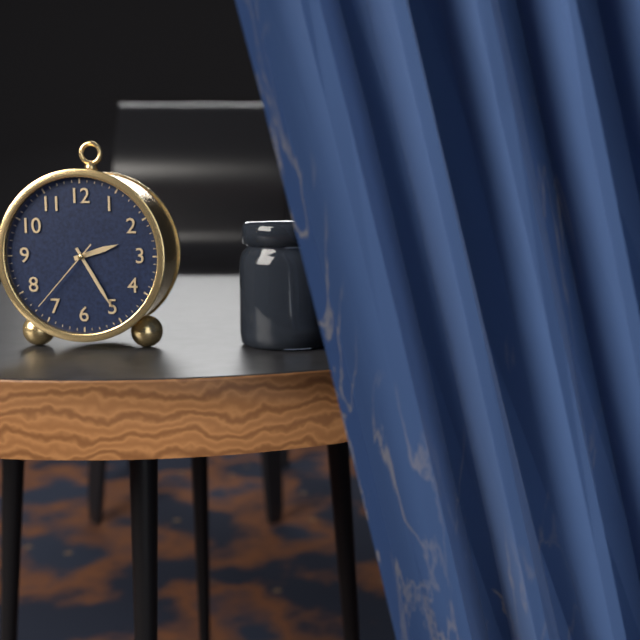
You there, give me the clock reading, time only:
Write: 2:25:37
